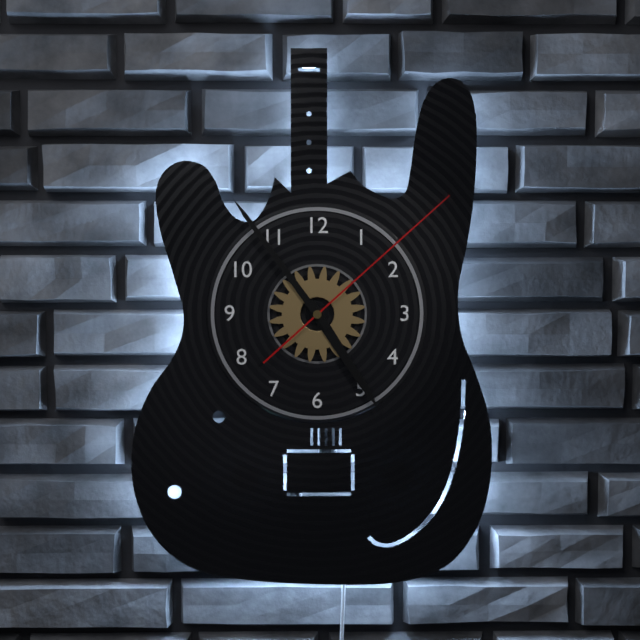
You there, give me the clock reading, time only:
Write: 4:54:08
